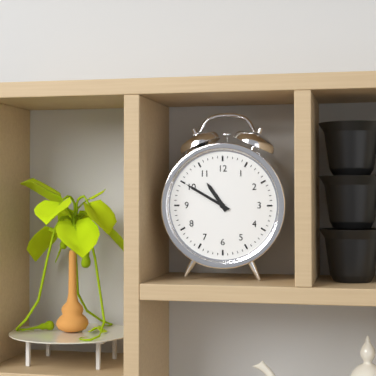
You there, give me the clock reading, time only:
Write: 10:50
